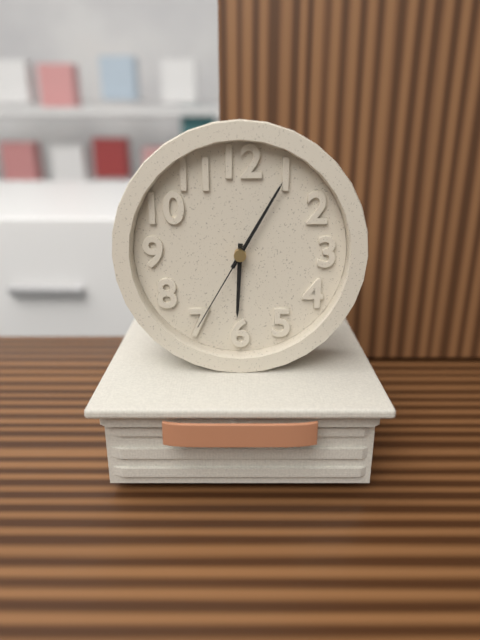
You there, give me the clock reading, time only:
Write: 6:05:35
